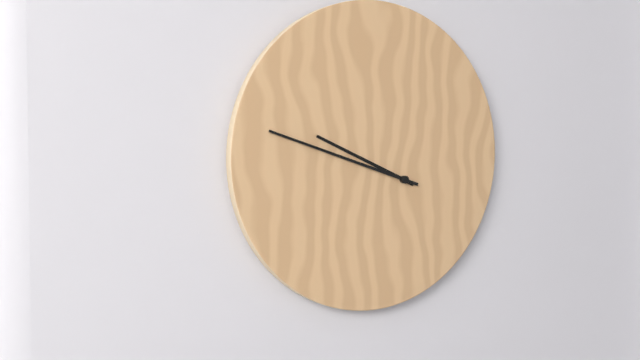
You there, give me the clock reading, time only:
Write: 9:48
